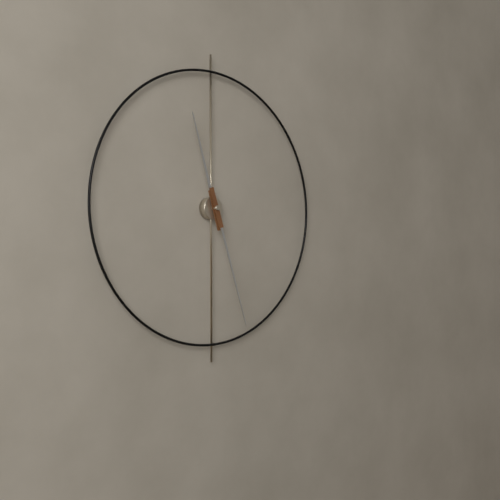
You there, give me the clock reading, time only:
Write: 11:27
